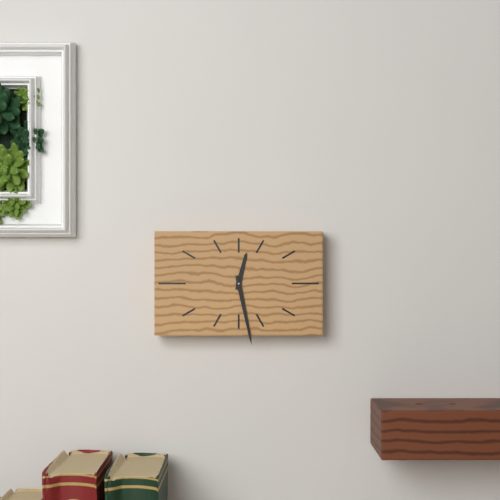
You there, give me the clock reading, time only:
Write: 12:28
